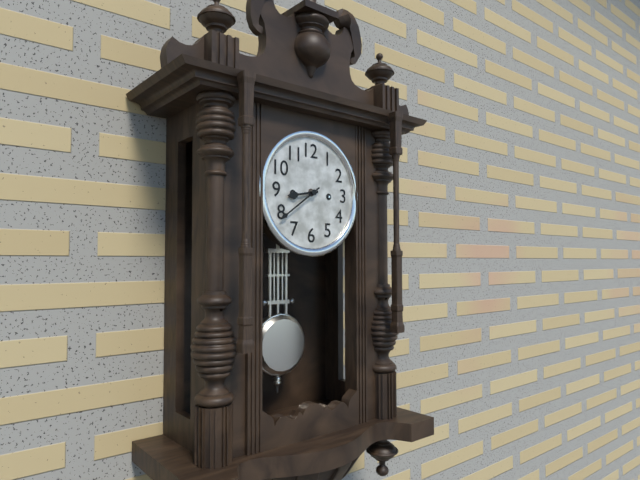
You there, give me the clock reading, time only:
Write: 8:39
